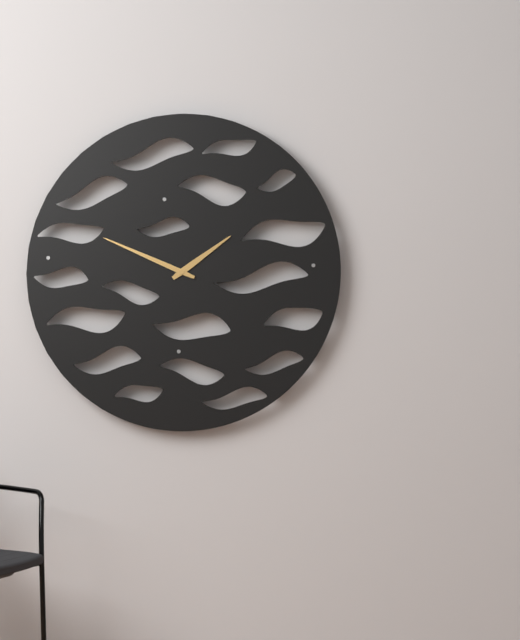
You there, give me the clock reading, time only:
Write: 1:49
